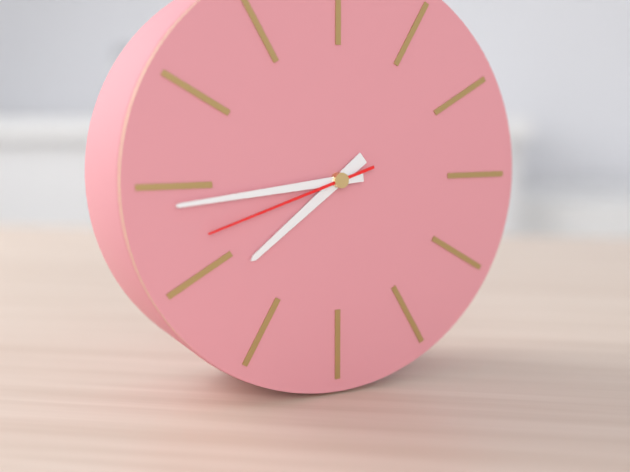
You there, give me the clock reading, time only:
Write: 7:44:42
